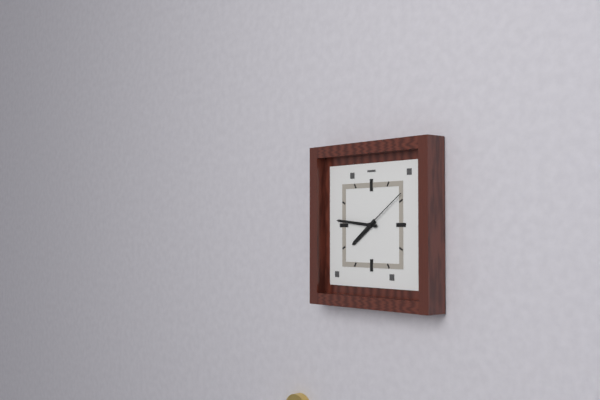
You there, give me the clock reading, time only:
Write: 7:46:09
